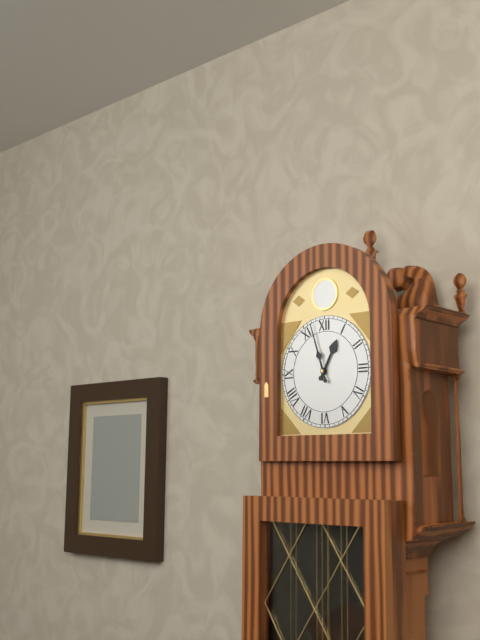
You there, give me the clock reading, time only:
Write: 12:57
